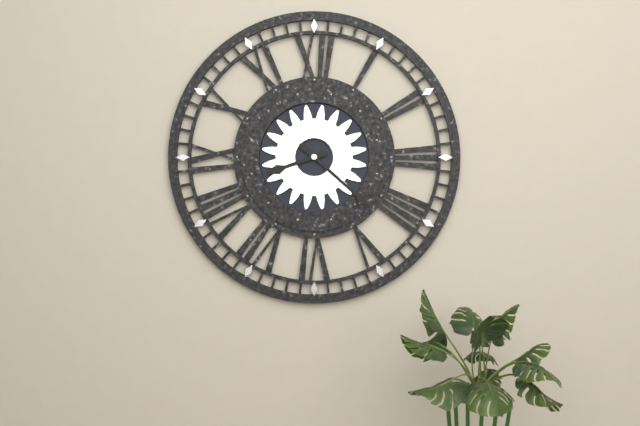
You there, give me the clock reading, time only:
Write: 8:22
